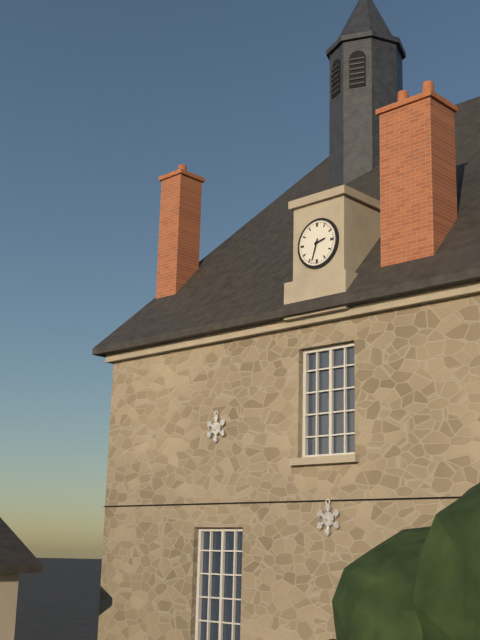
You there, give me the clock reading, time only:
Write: 2:33
